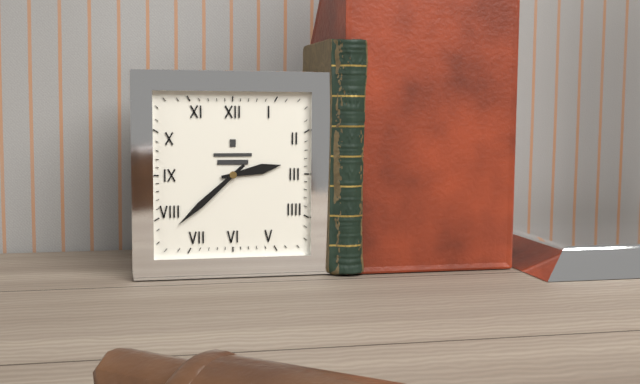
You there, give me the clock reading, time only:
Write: 2:38
